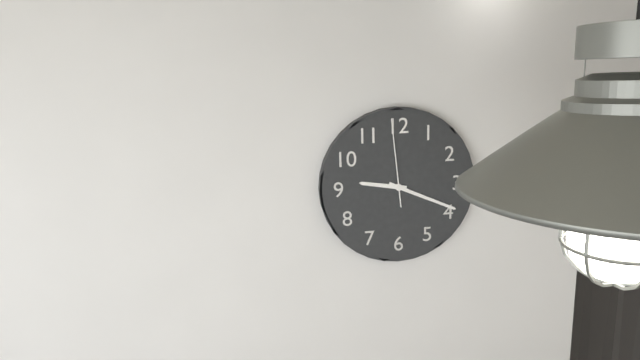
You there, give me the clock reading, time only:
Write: 9:19:59
